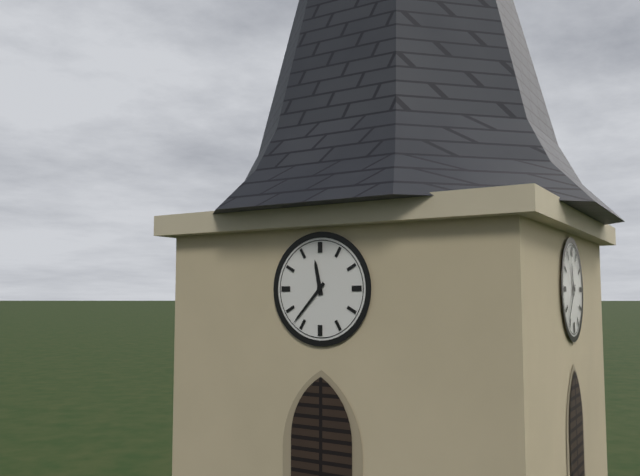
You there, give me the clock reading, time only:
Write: 11:37
